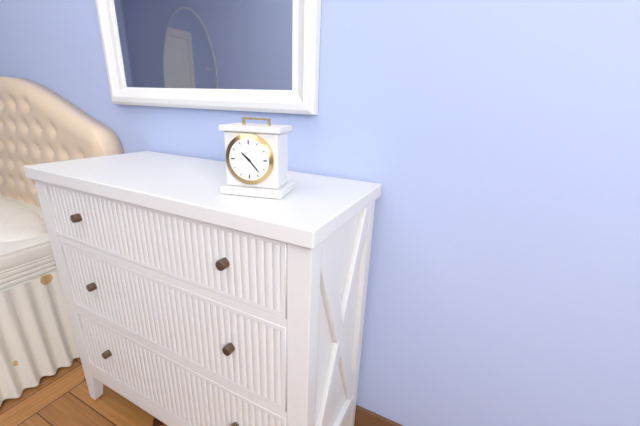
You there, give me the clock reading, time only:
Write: 10:23
